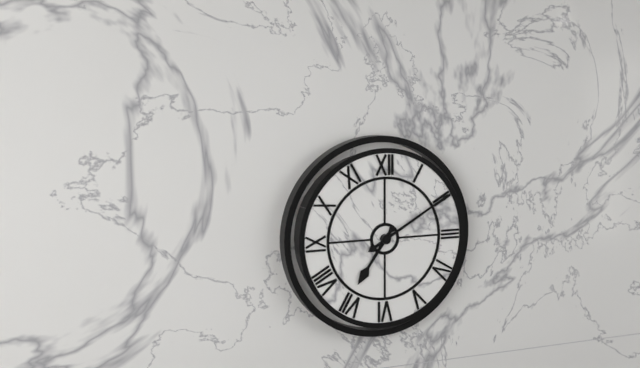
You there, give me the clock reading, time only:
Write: 7:10
